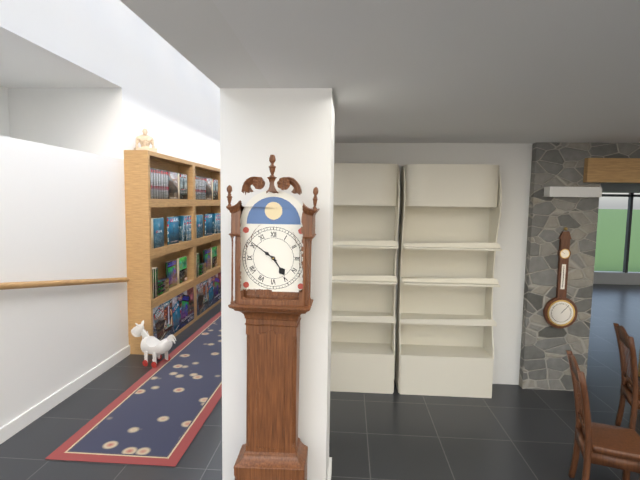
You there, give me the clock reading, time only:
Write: 4:51
